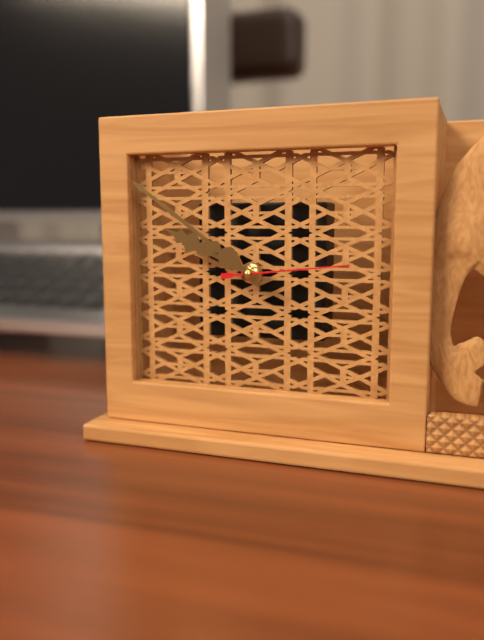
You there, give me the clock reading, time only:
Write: 9:51:14
